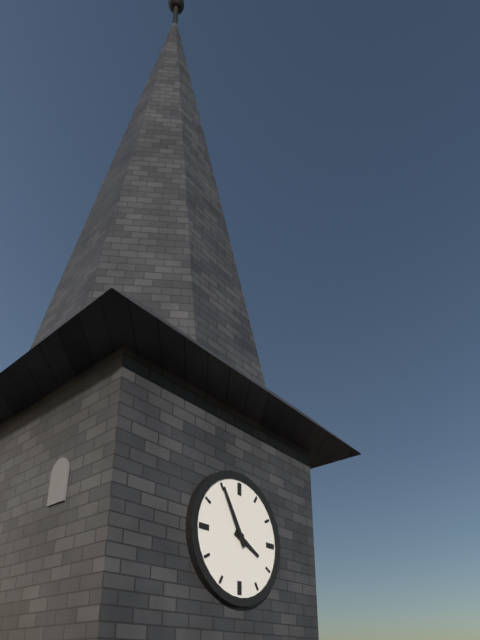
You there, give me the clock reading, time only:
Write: 3:55
